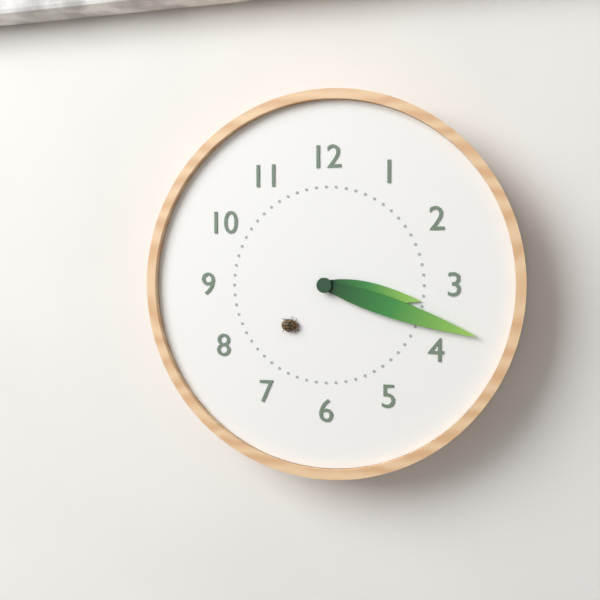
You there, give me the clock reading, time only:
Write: 3:18
